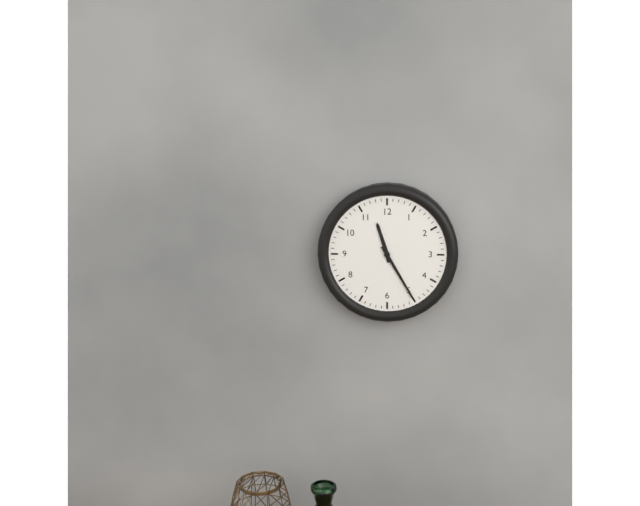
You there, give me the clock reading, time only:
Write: 11:25
